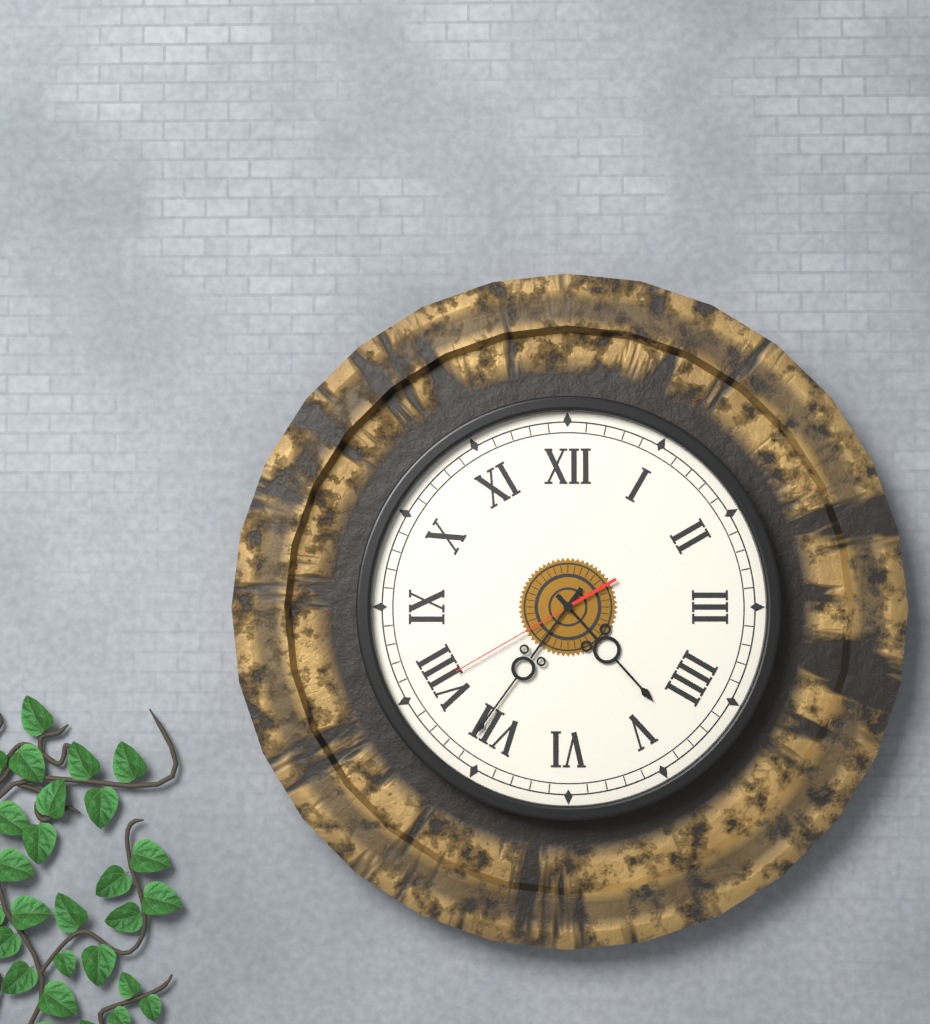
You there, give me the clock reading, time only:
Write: 4:36:40
